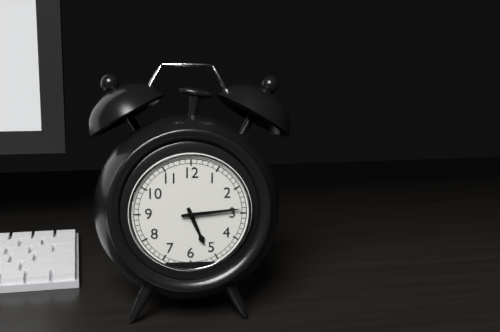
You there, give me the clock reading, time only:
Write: 5:14
